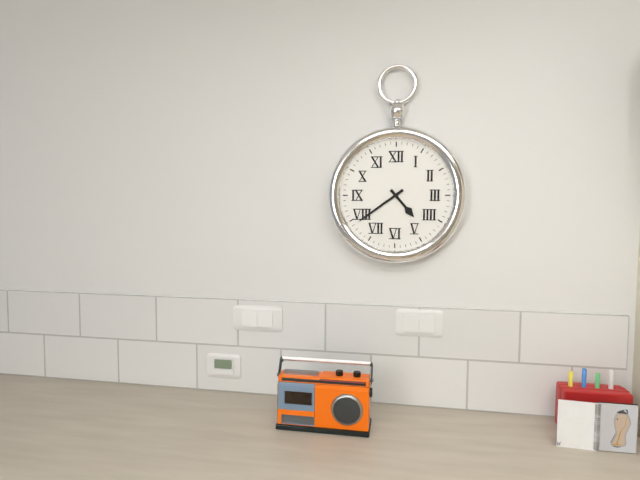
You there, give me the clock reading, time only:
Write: 4:39
